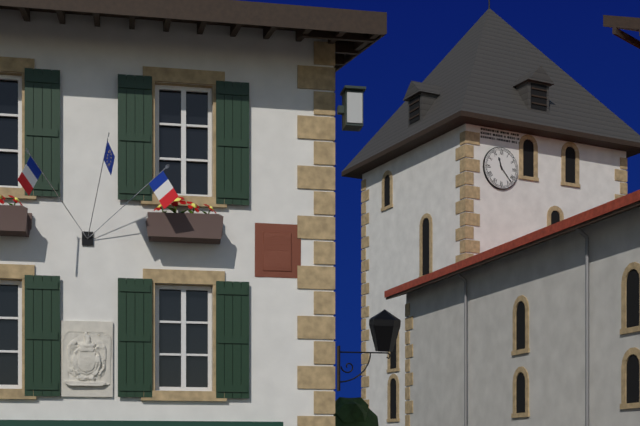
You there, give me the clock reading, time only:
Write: 11:23
